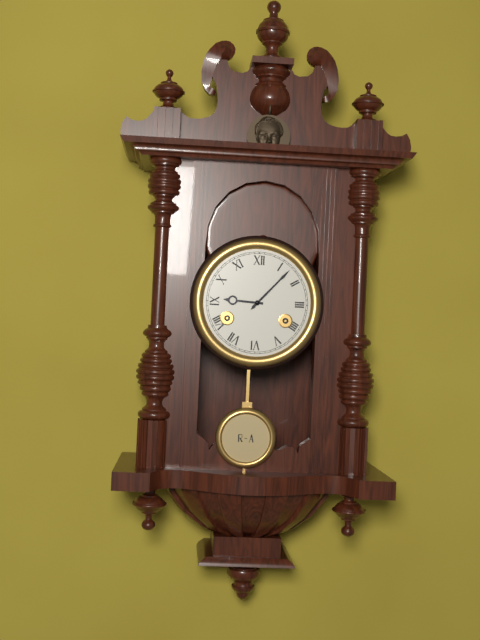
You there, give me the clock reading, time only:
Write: 9:07
